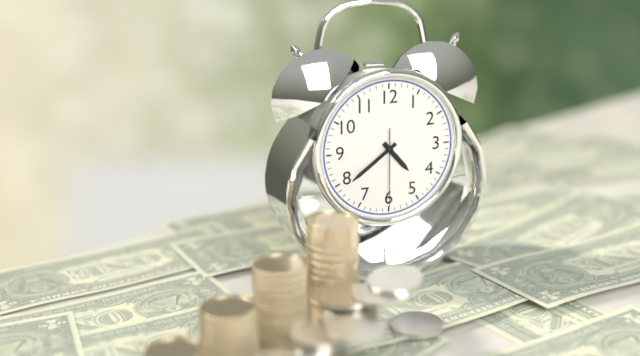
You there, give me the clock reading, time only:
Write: 4:39:30
